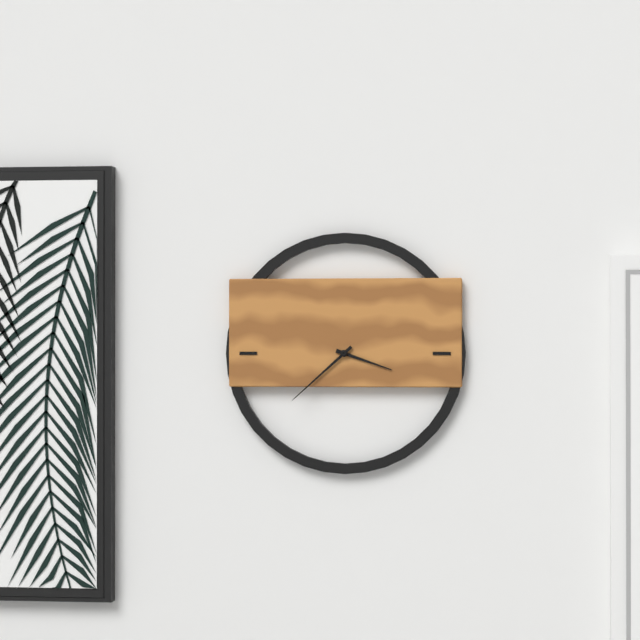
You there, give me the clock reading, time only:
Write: 3:38
